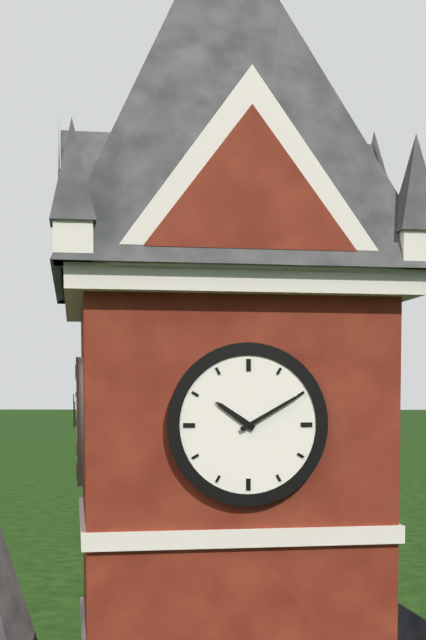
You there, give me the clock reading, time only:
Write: 10:10
